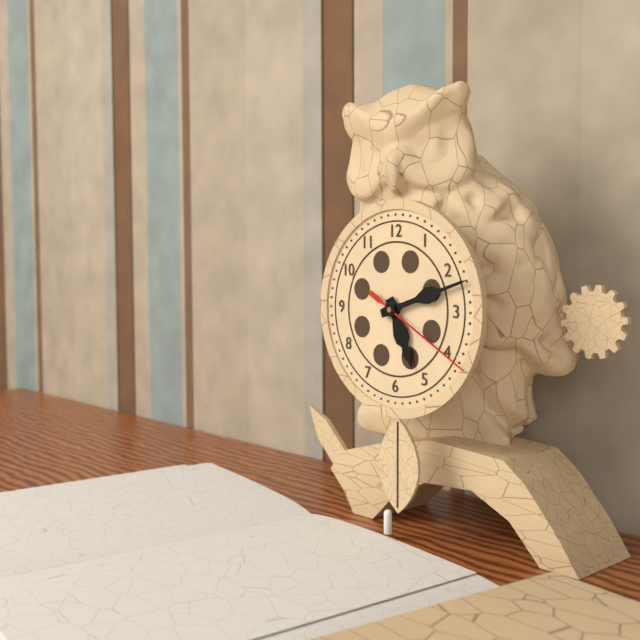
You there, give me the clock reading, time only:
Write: 5:12:20
